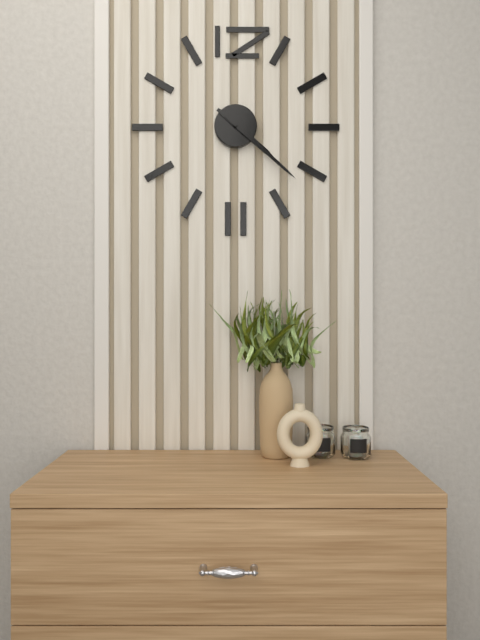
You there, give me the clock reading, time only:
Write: 4:22
